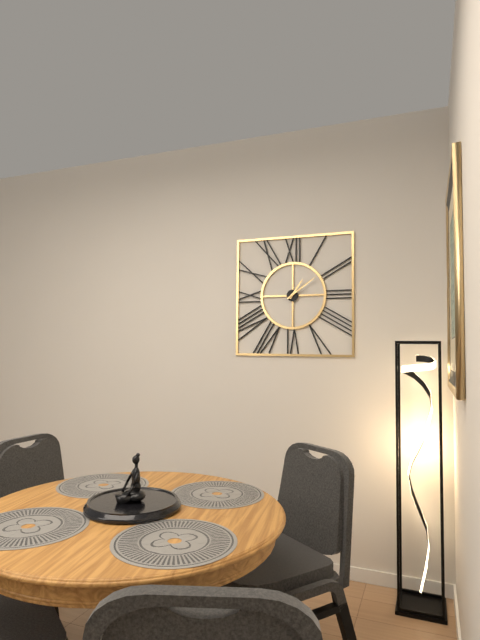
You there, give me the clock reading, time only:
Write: 1:09
